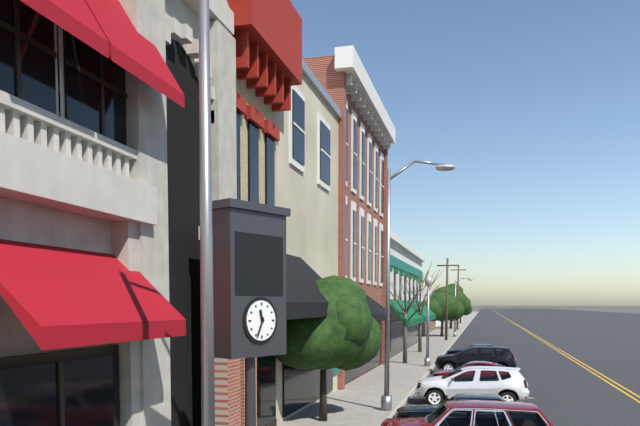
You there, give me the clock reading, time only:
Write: 11:34
